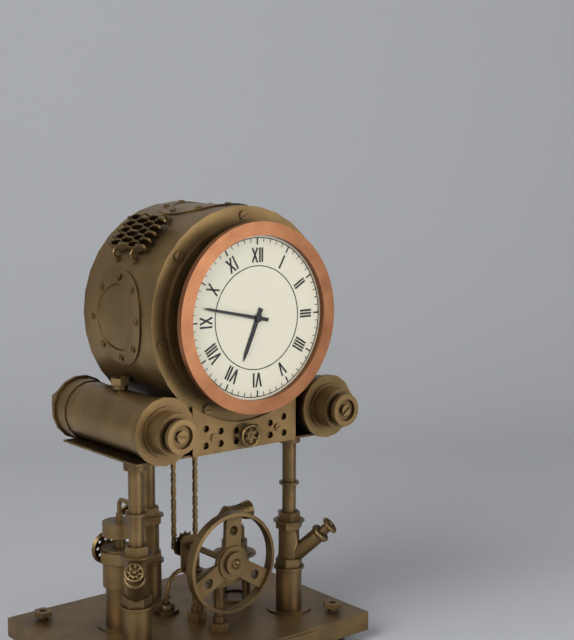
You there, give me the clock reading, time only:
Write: 6:47
